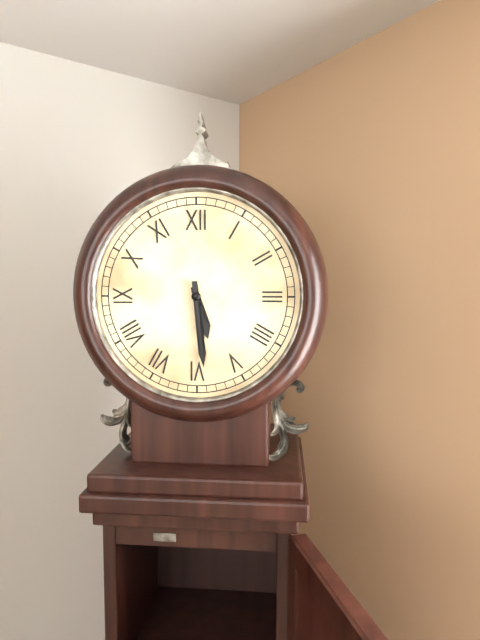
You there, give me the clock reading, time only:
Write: 5:29
